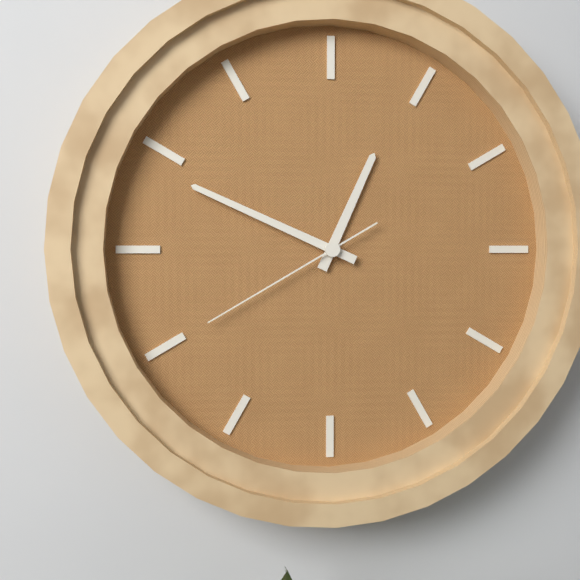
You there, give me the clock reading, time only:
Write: 12:49:40
